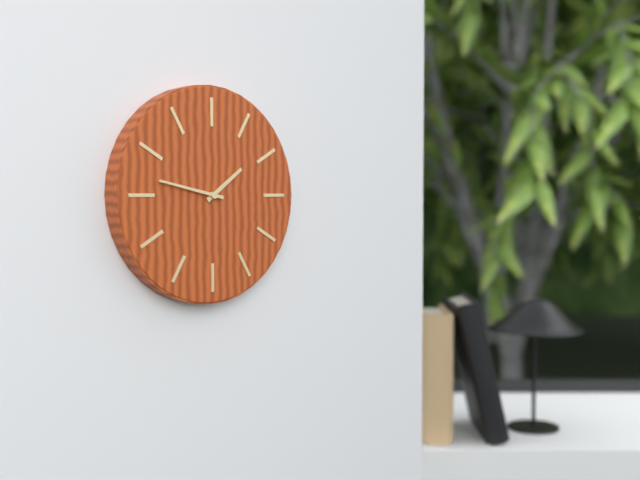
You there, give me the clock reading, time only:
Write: 1:47
